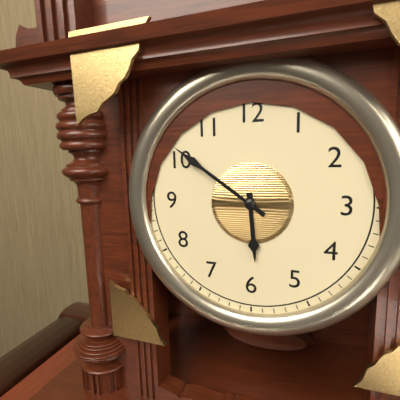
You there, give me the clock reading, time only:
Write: 5:51
